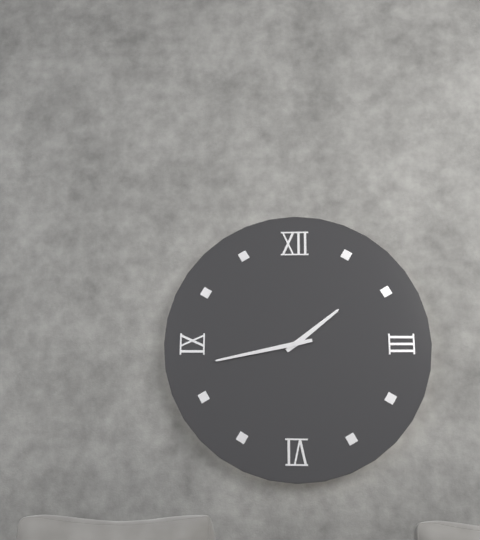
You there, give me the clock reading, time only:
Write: 1:43
